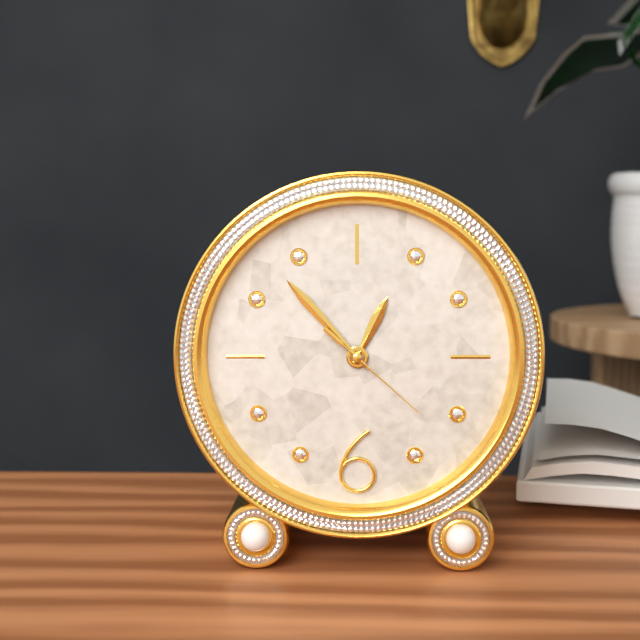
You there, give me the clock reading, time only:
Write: 12:53:22
